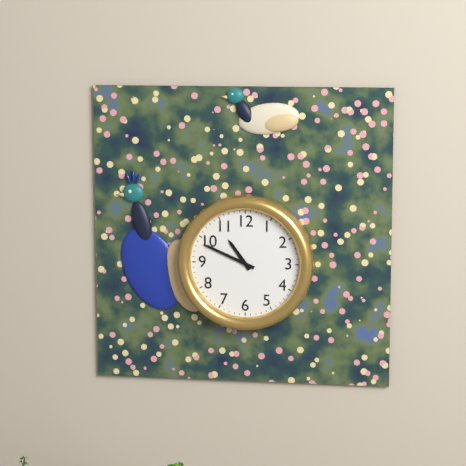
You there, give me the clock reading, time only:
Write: 10:49
